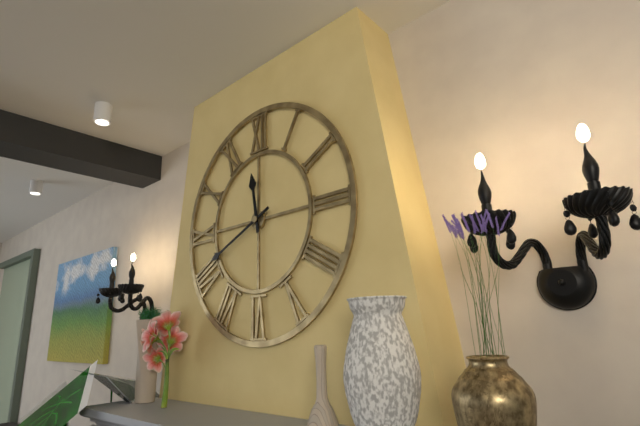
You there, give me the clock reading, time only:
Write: 11:41
